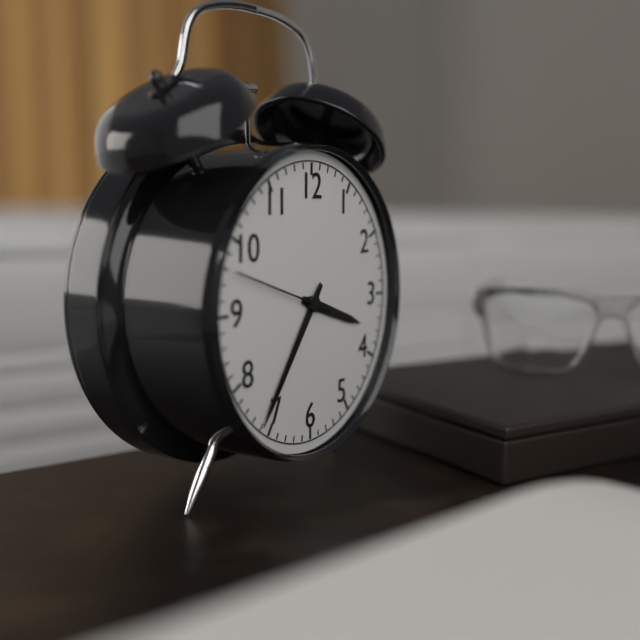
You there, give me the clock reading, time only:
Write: 3:36:48
